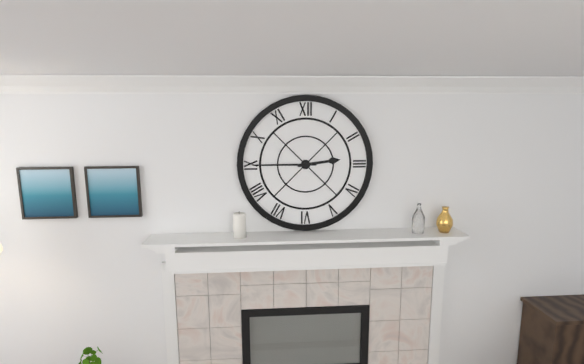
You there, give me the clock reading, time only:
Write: 2:45
